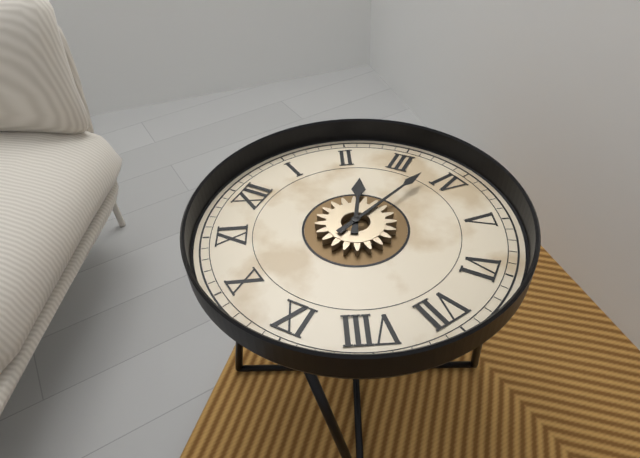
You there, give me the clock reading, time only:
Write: 2:18
